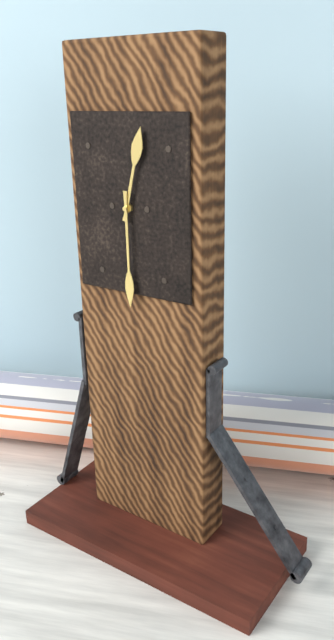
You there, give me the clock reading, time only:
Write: 12:30
